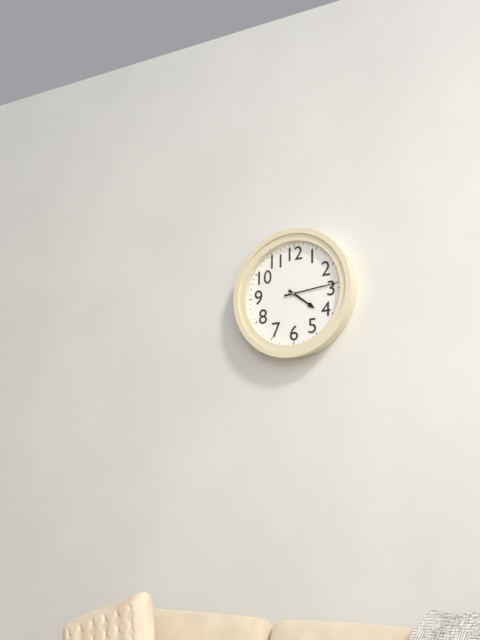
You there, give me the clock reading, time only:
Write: 4:14
